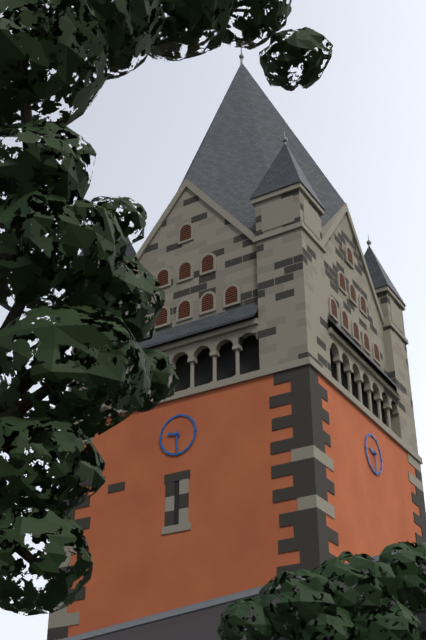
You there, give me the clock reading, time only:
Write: 9:30
